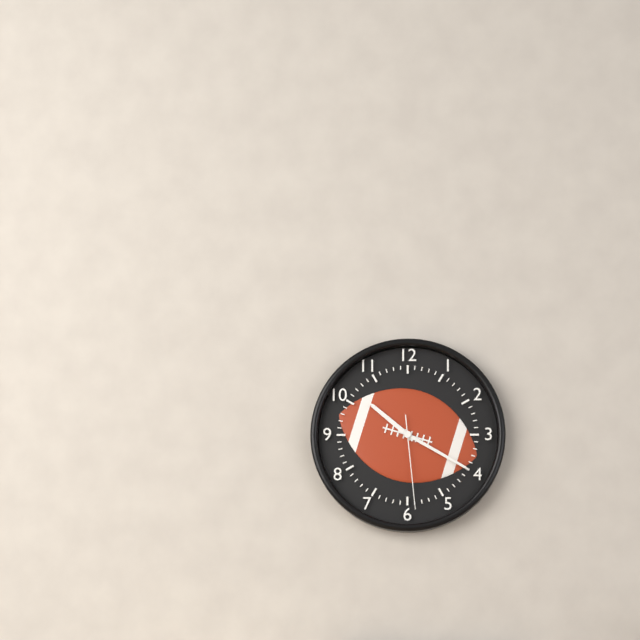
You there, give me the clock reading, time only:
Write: 10:20:29
